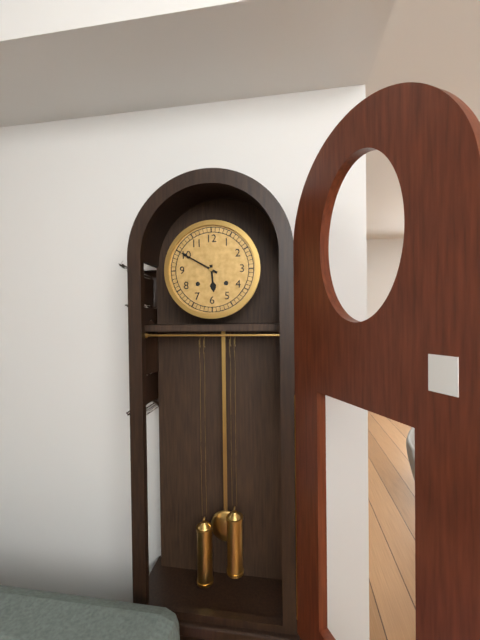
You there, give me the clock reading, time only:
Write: 5:50
